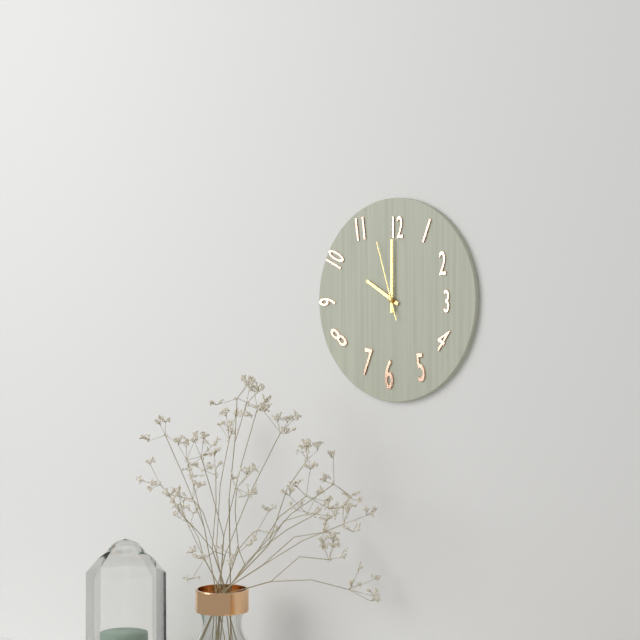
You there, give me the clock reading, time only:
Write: 10:00:57
